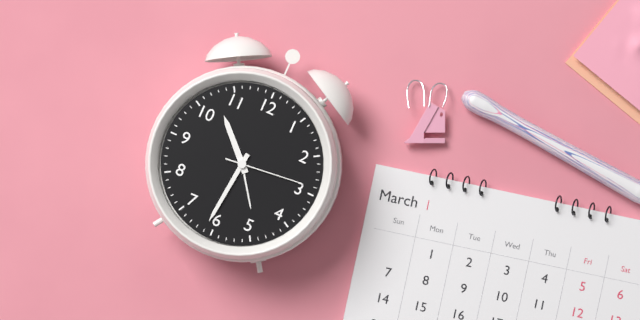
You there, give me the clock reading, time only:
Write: 10:31:14
